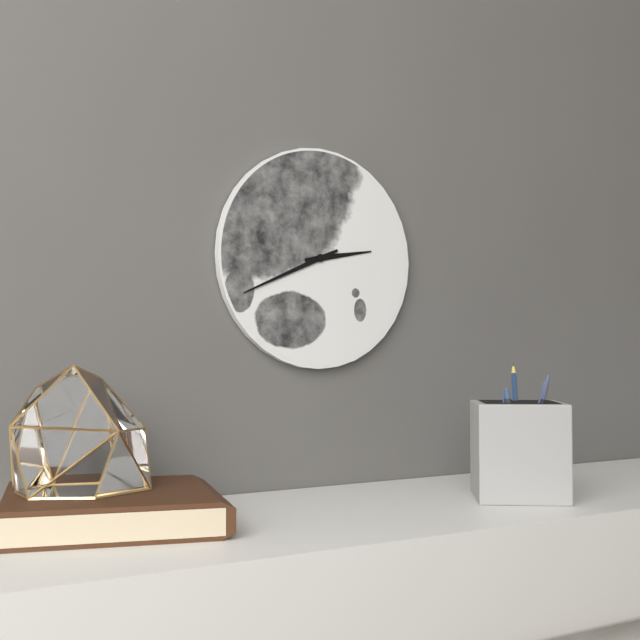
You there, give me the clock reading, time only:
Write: 2:41
